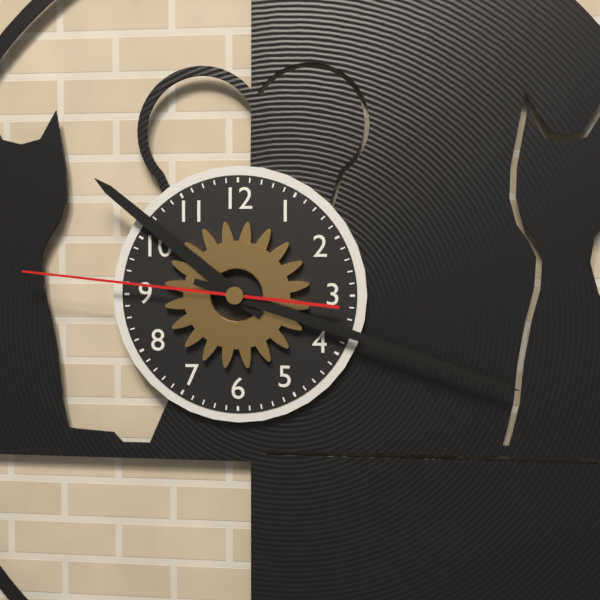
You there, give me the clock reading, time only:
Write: 10:18:46
